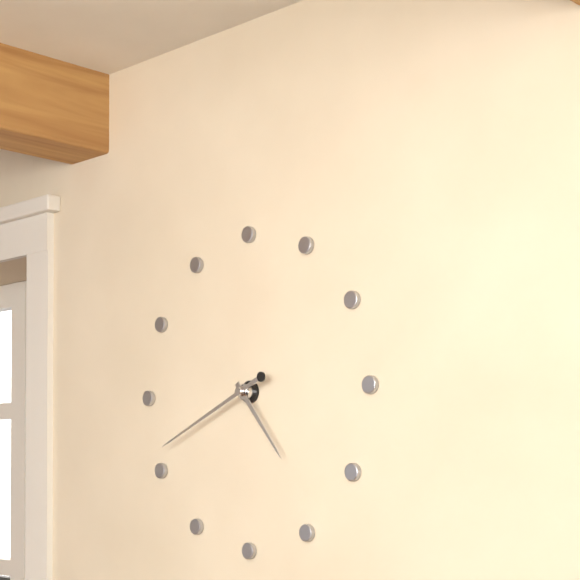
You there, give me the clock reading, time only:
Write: 4:41
